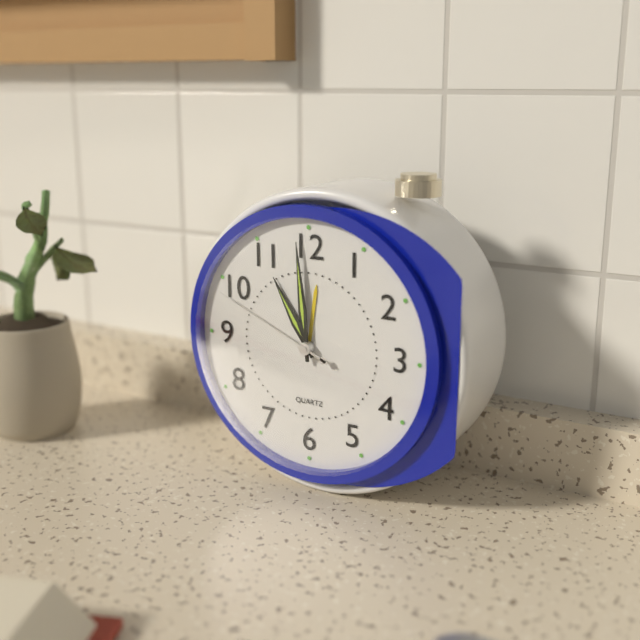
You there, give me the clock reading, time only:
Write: 10:59:49
